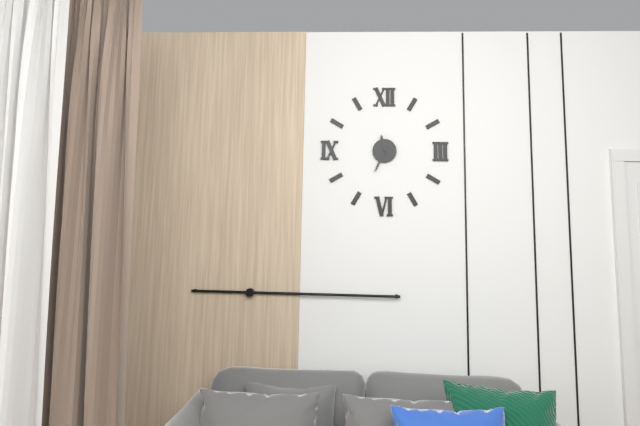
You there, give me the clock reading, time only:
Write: 11:34
